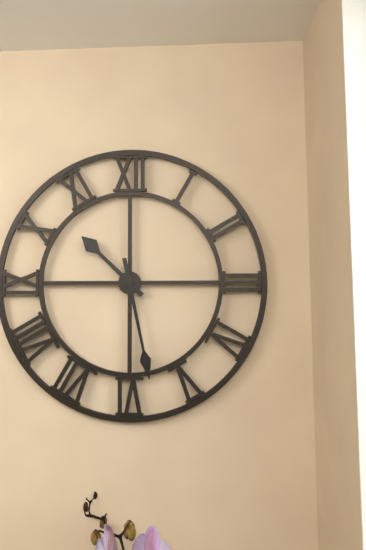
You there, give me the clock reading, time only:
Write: 10:28
